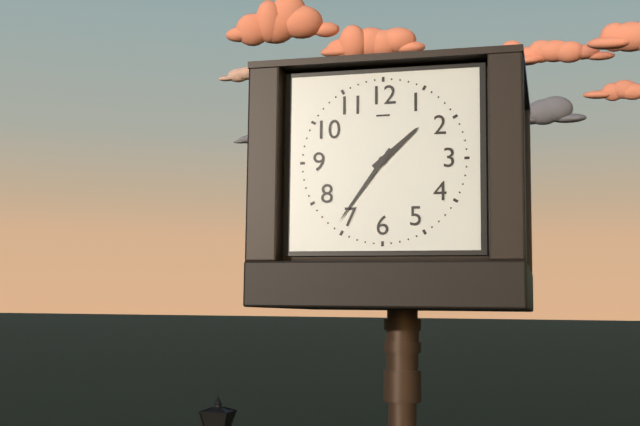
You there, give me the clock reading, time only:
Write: 1:36
